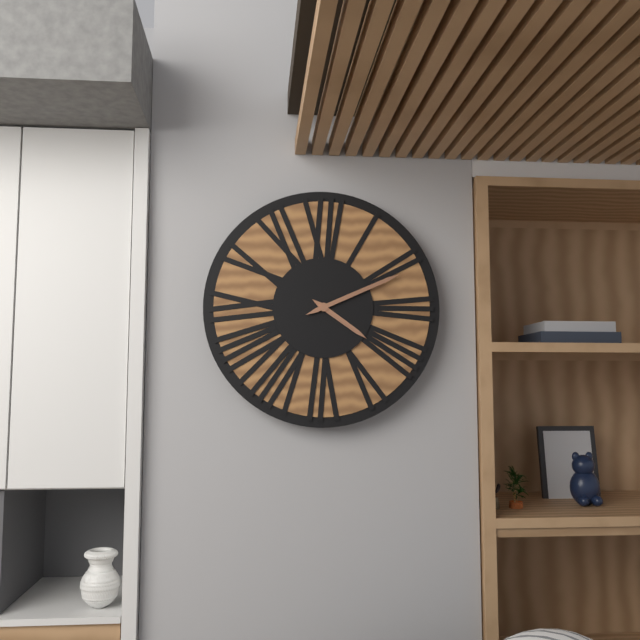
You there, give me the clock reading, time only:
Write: 4:11
